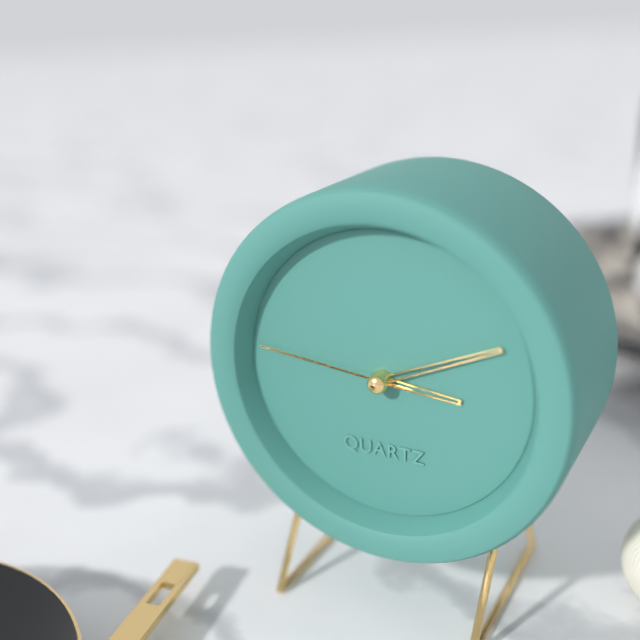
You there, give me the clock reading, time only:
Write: 3:11:46
